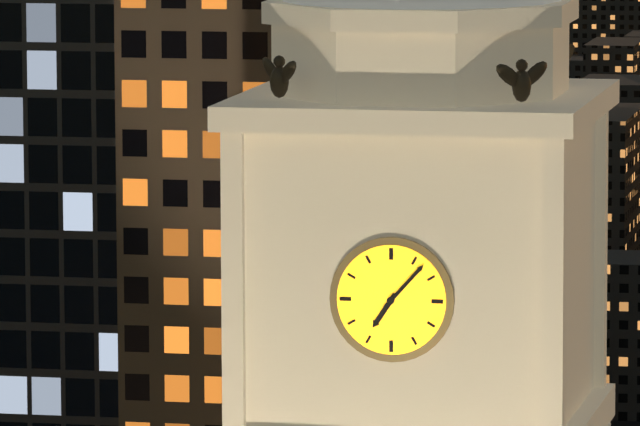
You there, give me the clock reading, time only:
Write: 7:07
